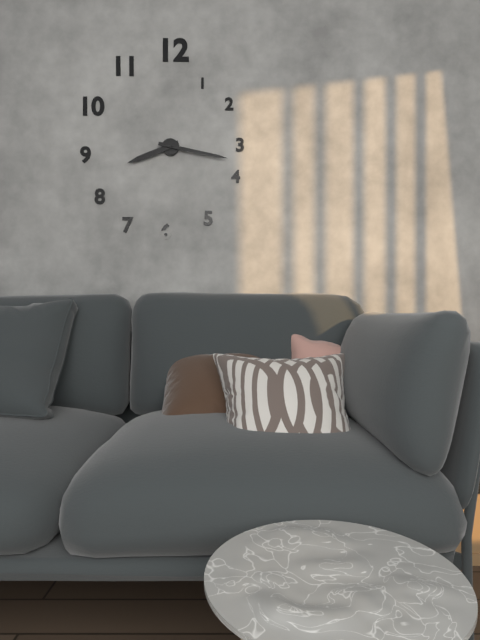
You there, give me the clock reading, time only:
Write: 8:17
